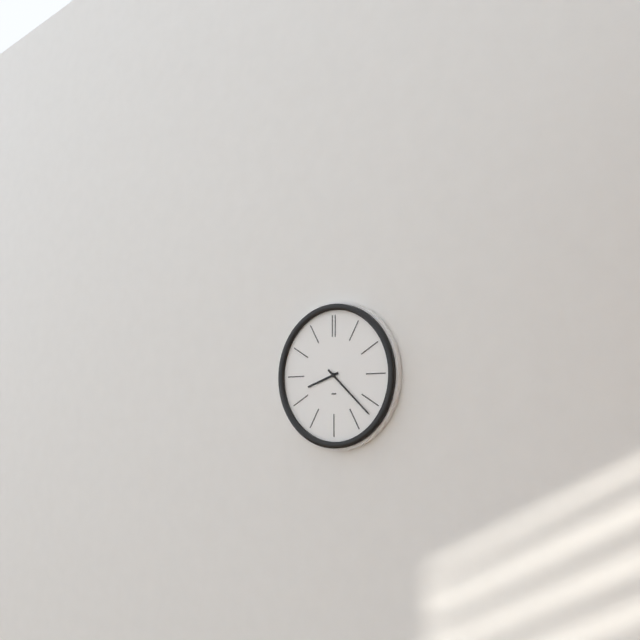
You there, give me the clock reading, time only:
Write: 8:22
